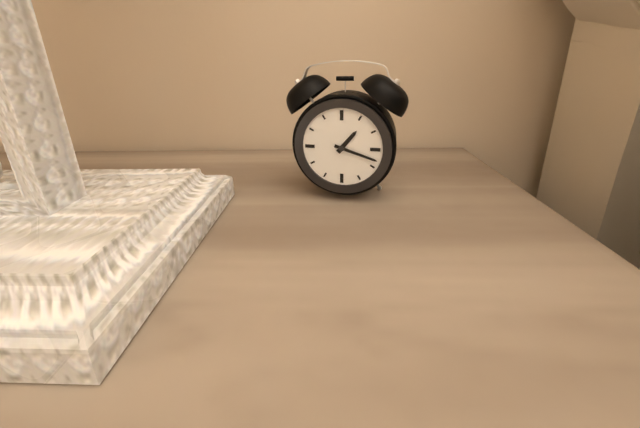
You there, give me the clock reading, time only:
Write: 1:18
